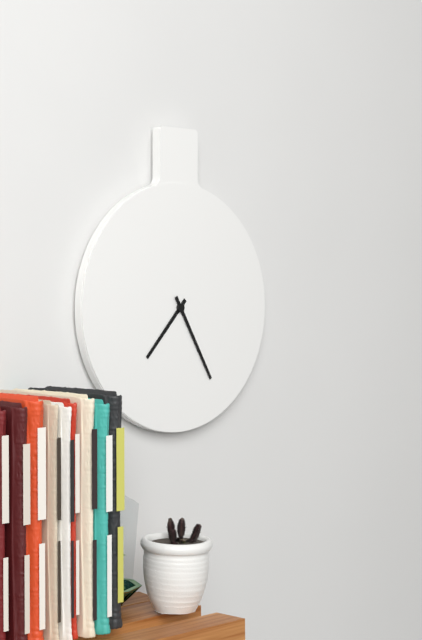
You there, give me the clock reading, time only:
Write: 7:25
